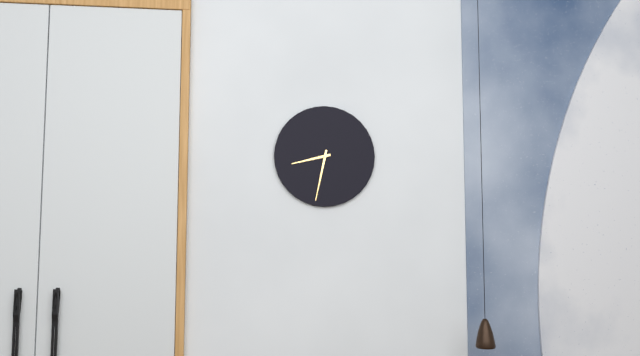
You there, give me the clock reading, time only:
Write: 8:32
